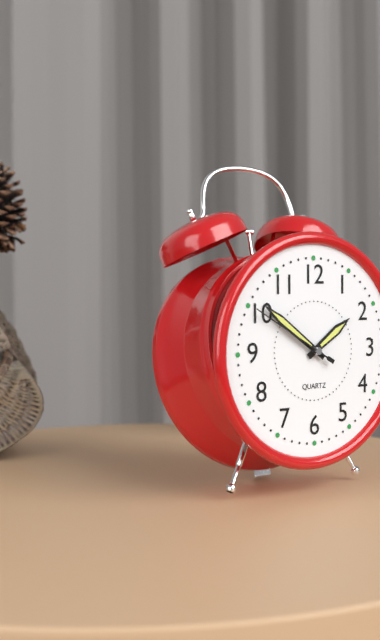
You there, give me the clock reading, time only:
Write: 1:51:50
